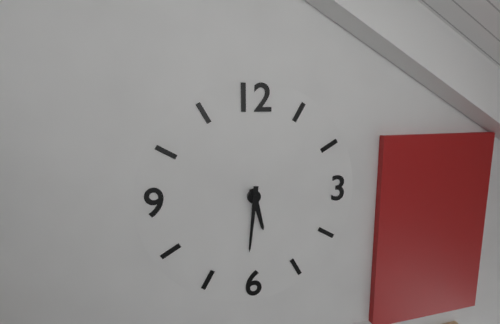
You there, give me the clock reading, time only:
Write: 5:31
